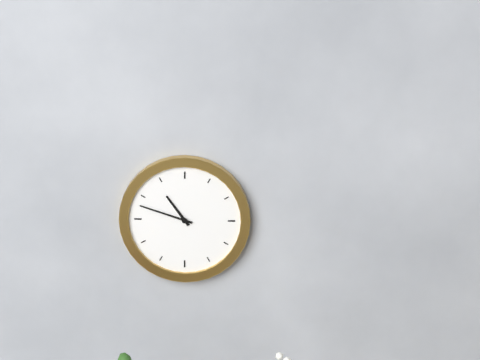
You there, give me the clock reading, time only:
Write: 10:48
